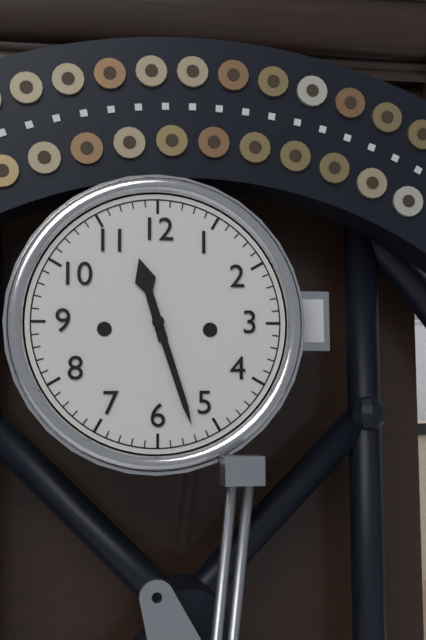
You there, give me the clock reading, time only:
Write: 11:27
